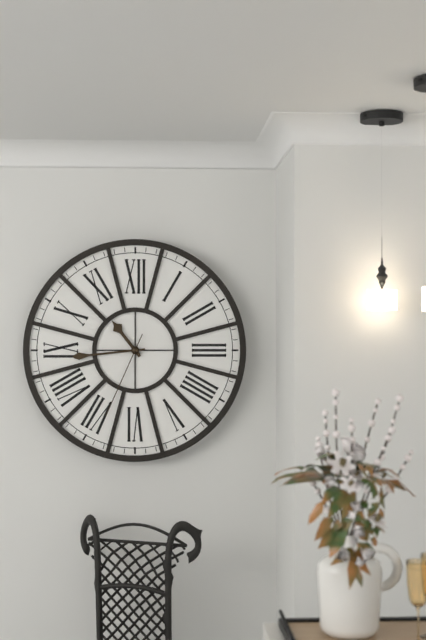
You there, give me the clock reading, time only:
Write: 10:44:34
